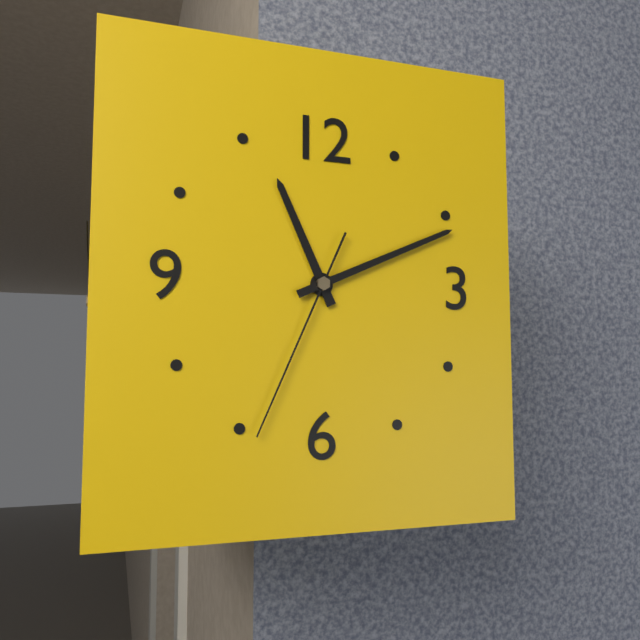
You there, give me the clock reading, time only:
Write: 11:11:34
